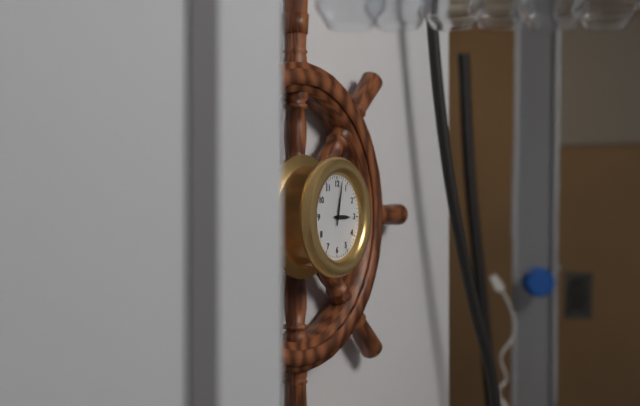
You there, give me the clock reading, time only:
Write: 3:02
